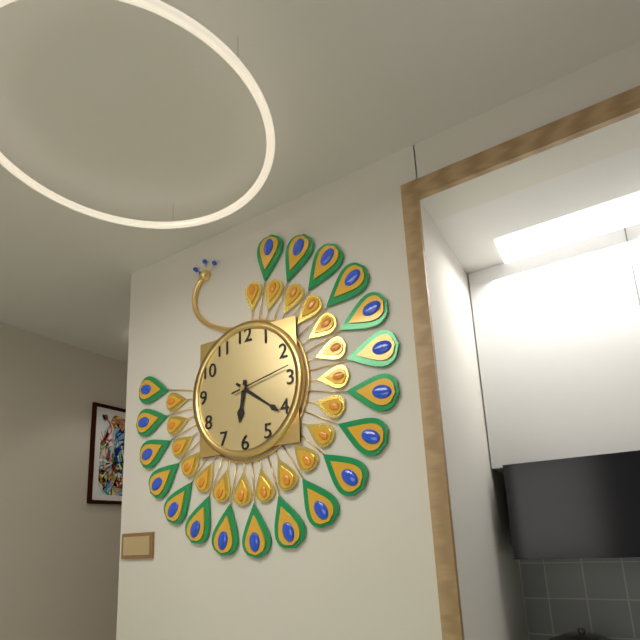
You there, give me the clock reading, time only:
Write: 6:21:13
